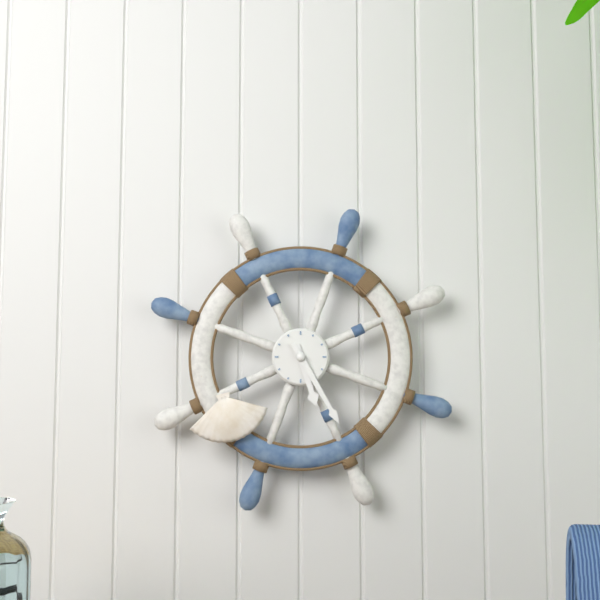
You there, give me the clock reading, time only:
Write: 5:25
